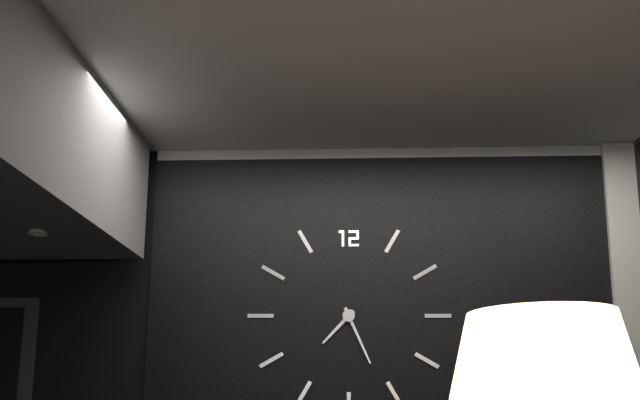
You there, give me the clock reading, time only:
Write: 7:26
